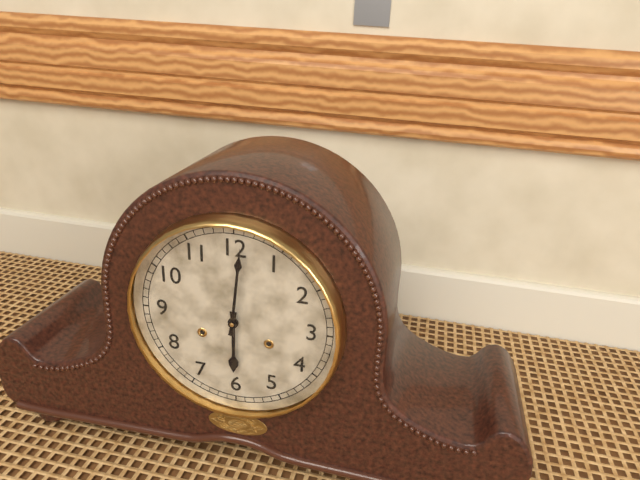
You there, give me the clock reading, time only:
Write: 6:01
